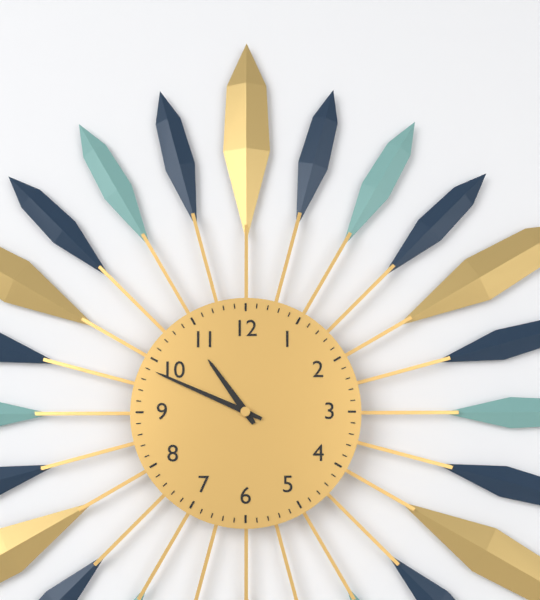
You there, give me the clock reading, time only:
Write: 10:49
